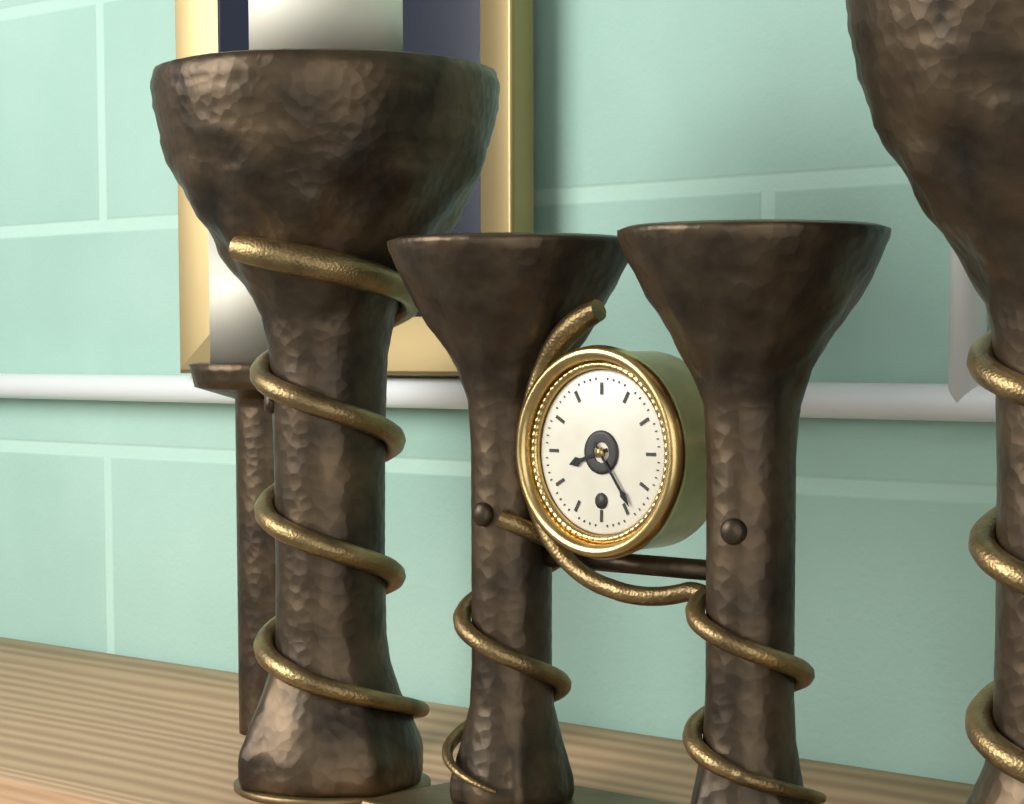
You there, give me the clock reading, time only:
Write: 8:24
